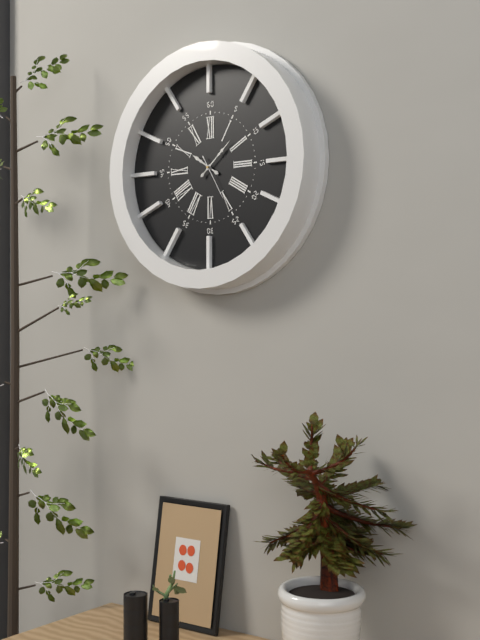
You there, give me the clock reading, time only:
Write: 10:08
